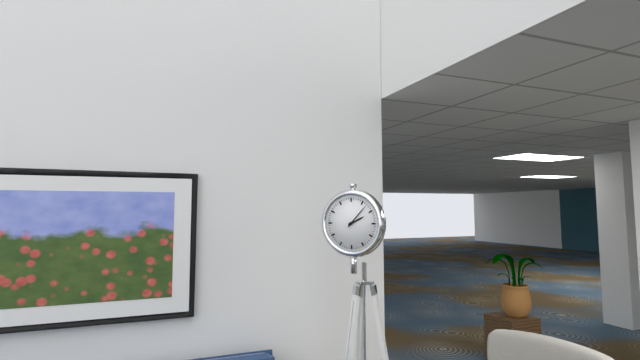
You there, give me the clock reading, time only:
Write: 2:07
